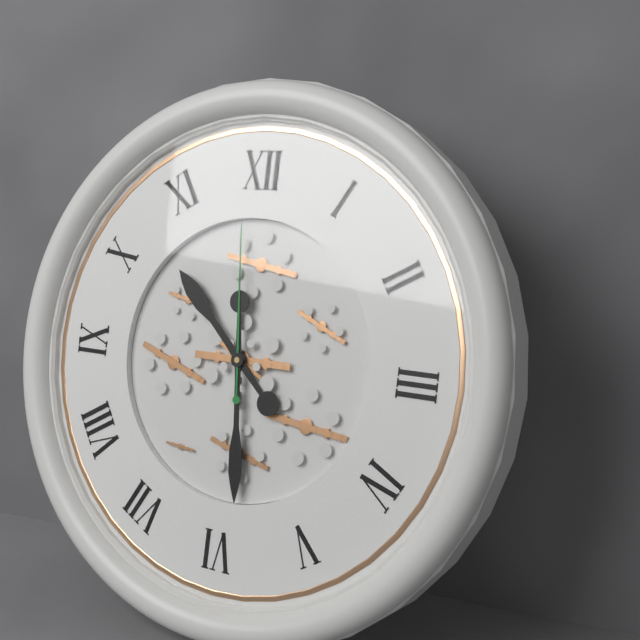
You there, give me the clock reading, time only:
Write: 10:29:59
